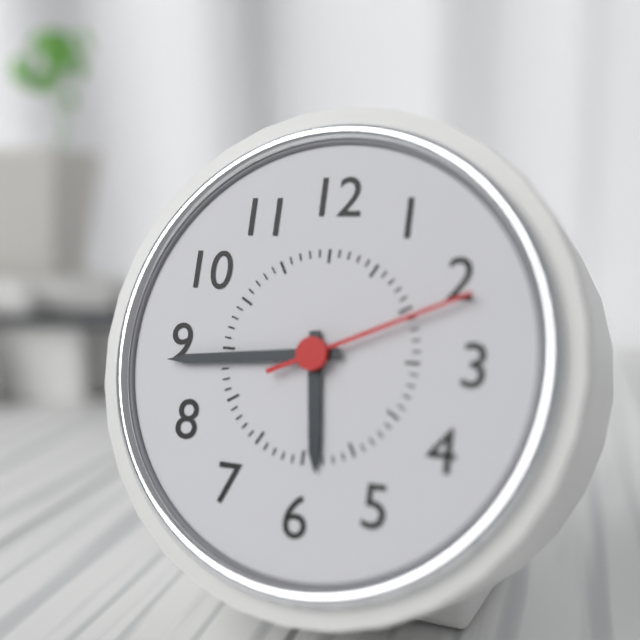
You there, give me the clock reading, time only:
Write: 5:44:11
